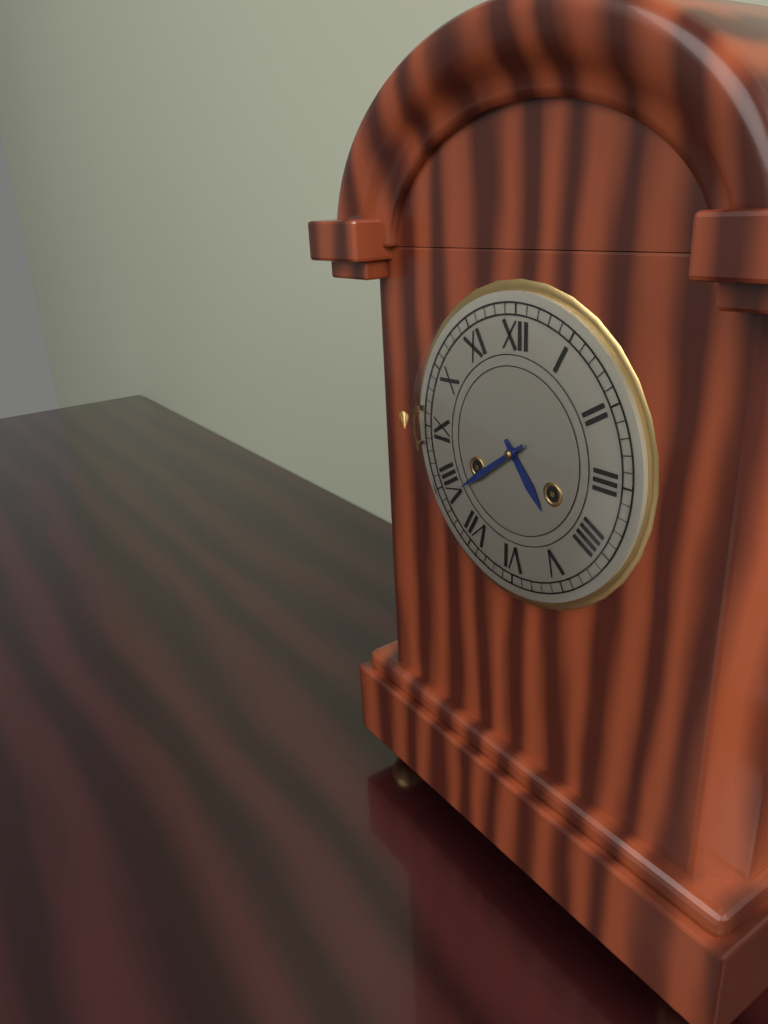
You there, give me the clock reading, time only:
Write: 4:39
